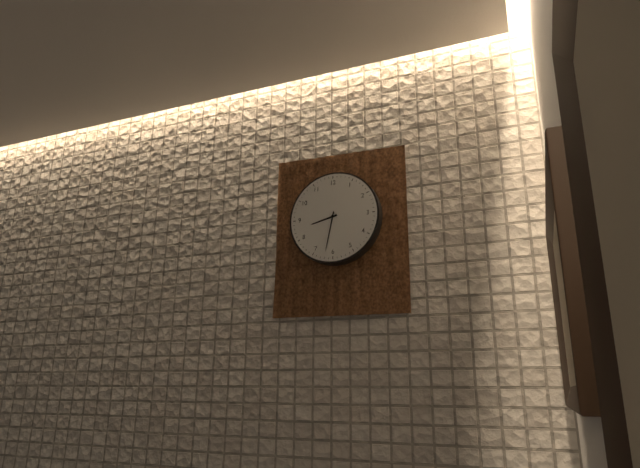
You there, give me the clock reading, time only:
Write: 8:32
